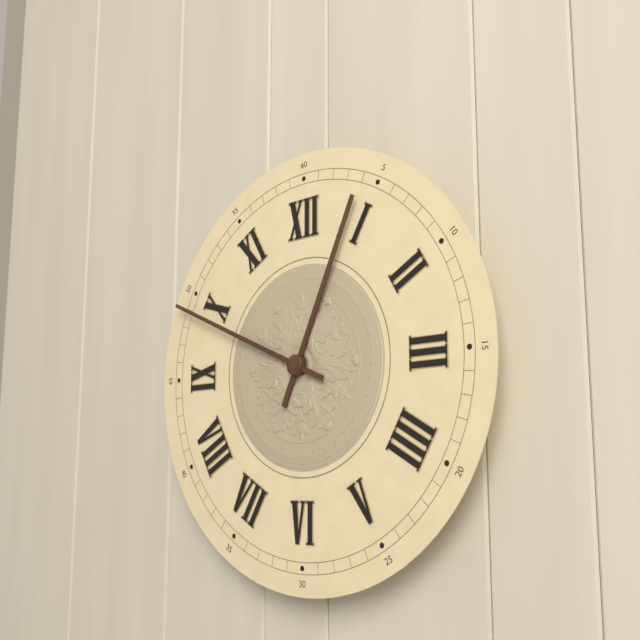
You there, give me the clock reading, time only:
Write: 12:49
